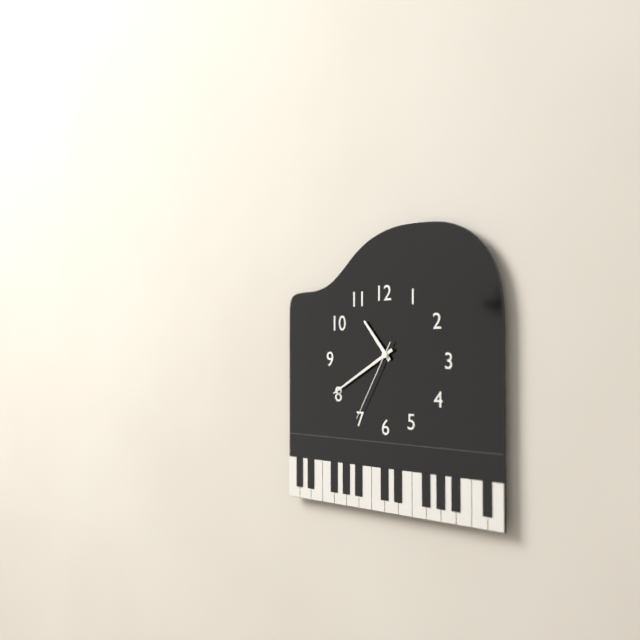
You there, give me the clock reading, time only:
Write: 10:40:35
